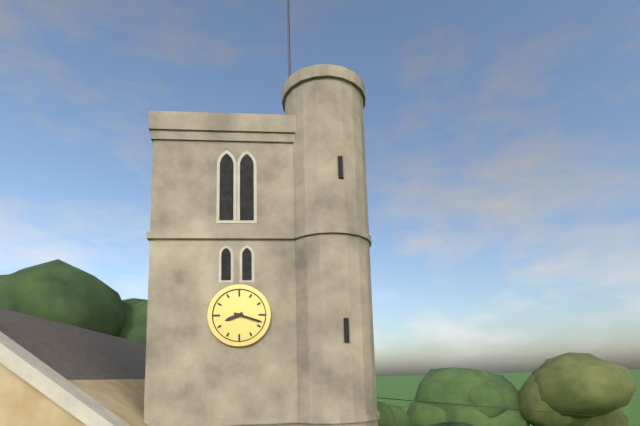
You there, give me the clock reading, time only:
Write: 8:18
